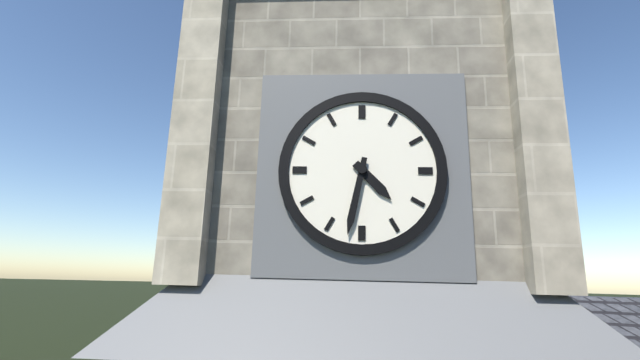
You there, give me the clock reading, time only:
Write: 4:32
